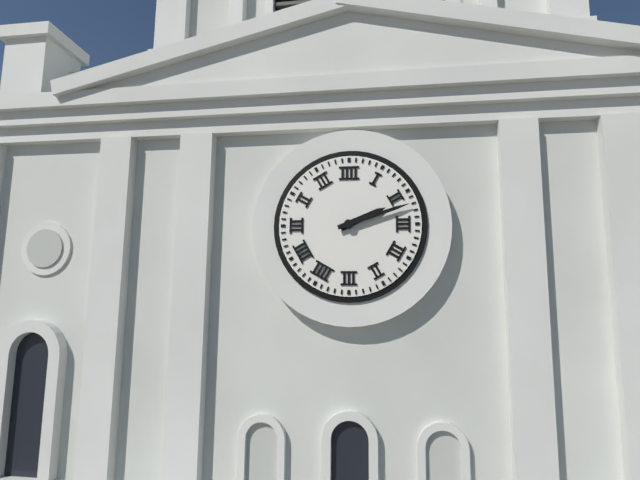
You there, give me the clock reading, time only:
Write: 2:12
